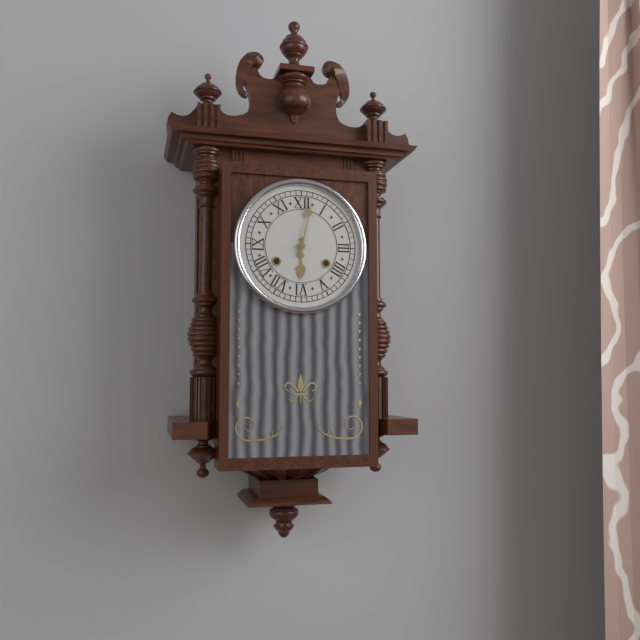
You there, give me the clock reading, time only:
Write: 6:02
